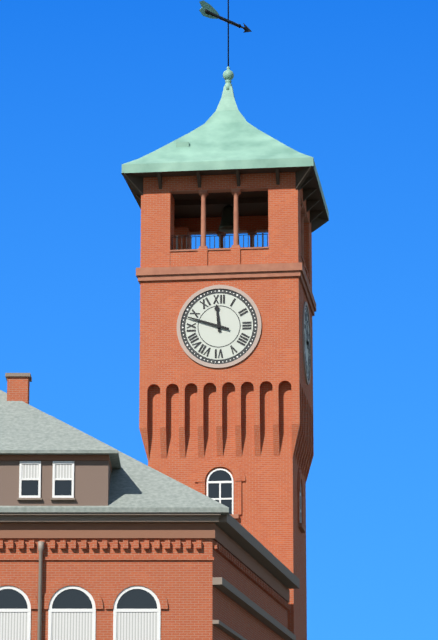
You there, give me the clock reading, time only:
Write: 11:48
